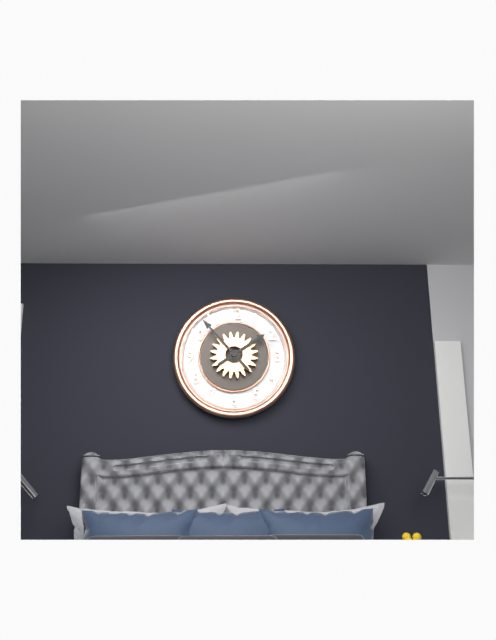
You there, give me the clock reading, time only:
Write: 1:53
